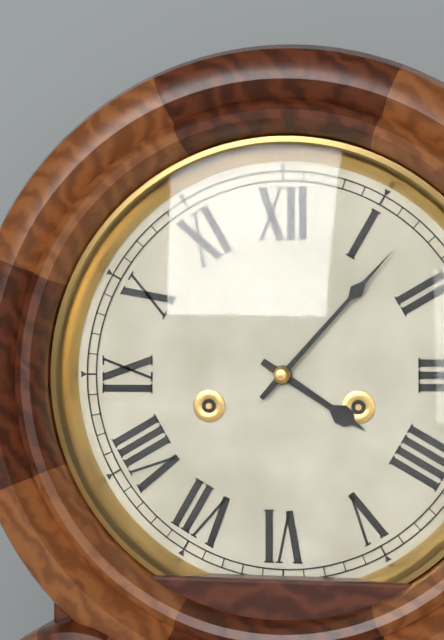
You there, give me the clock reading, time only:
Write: 4:07
